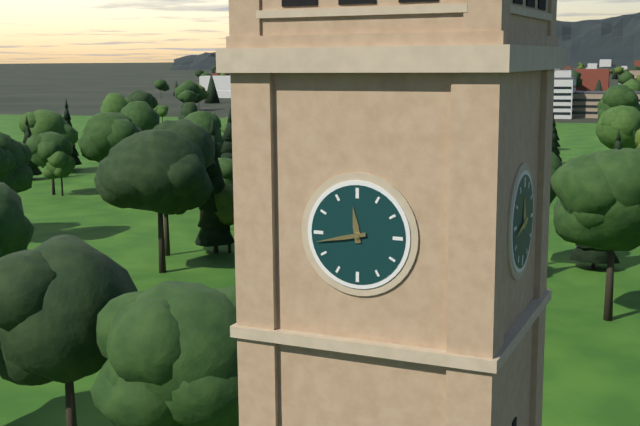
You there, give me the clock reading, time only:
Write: 11:43
